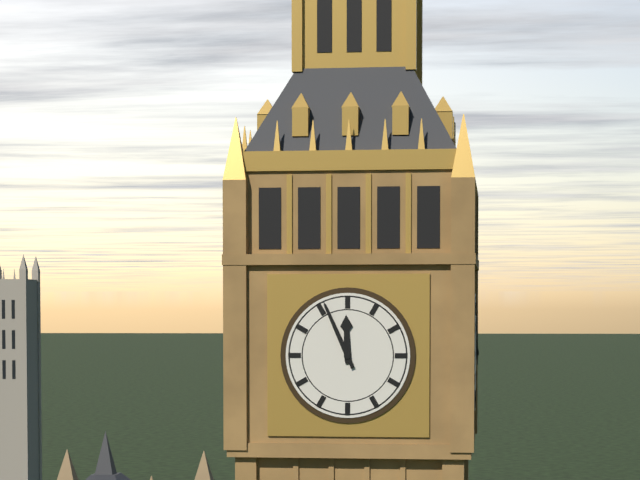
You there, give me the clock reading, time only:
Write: 11:56
